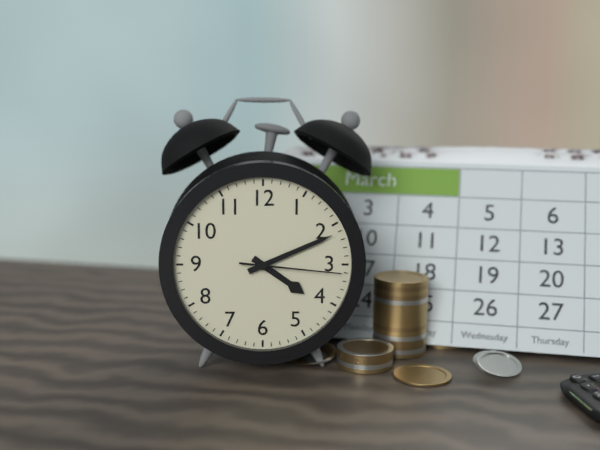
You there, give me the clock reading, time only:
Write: 4:11:16
